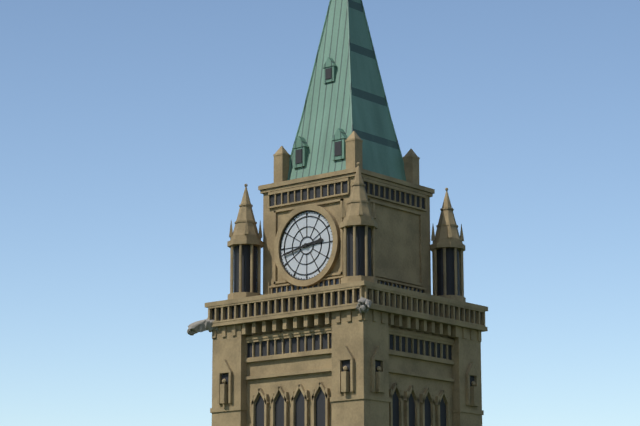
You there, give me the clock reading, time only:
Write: 2:43
